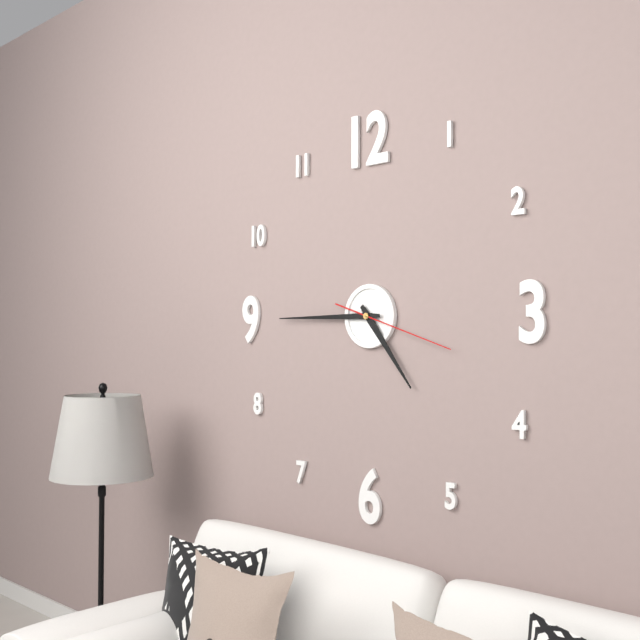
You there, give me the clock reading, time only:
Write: 4:45:18
